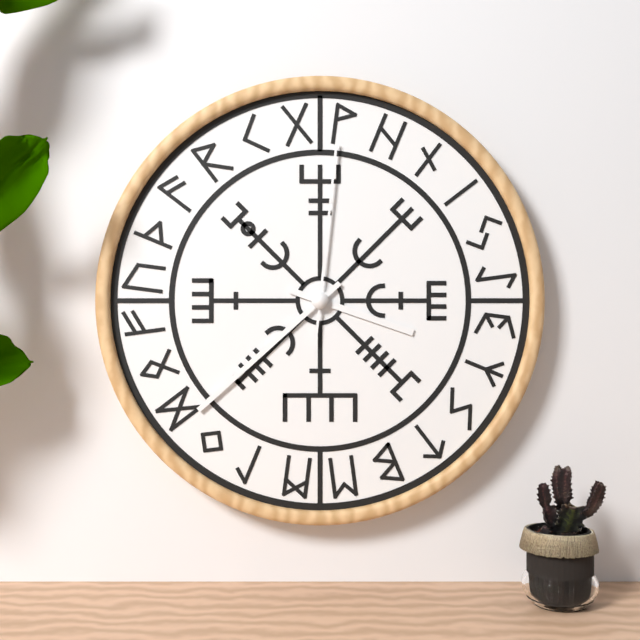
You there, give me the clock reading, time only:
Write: 3:38:01
